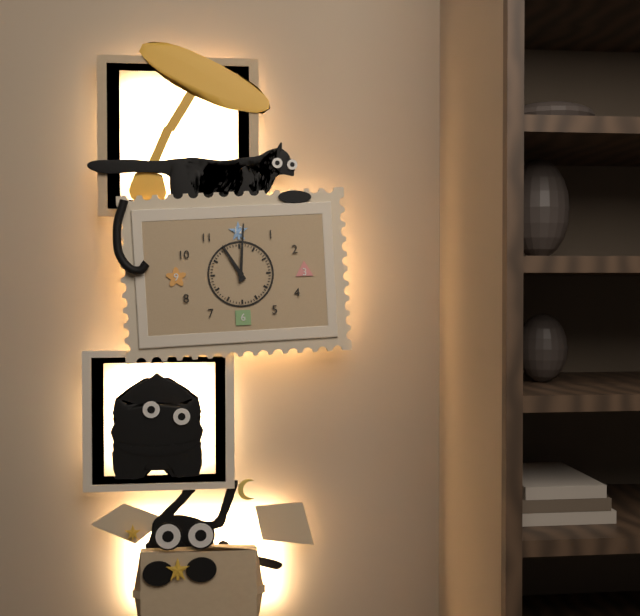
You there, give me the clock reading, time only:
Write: 11:01
